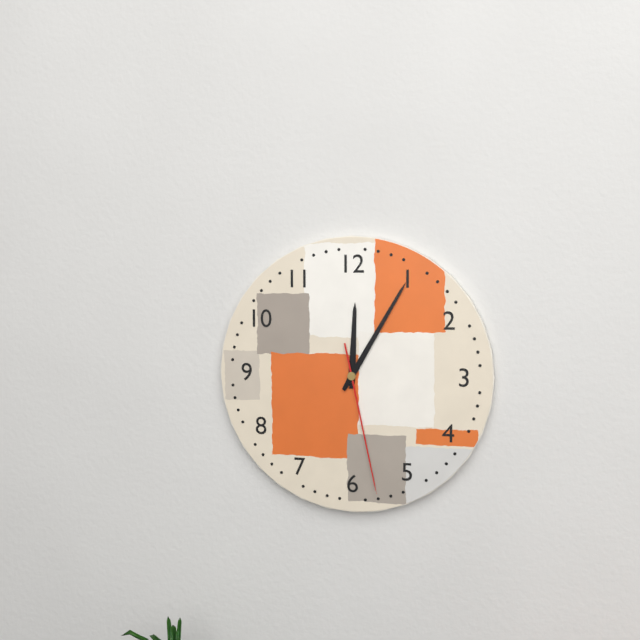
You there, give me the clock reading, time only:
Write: 12:05:28
